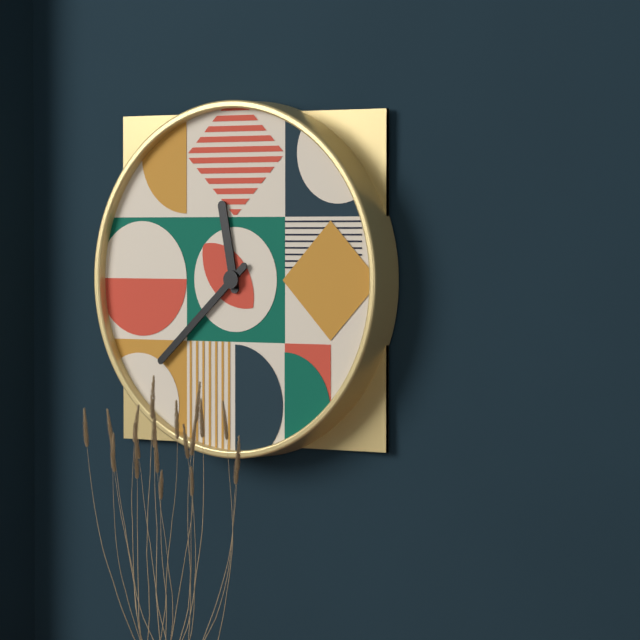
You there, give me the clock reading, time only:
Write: 11:38
